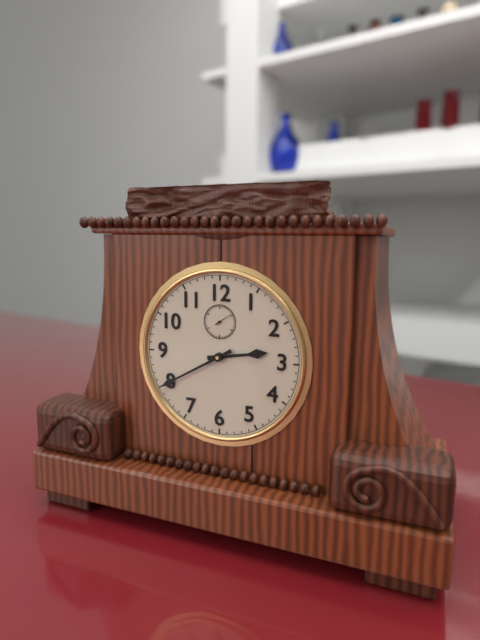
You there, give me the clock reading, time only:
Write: 2:40
